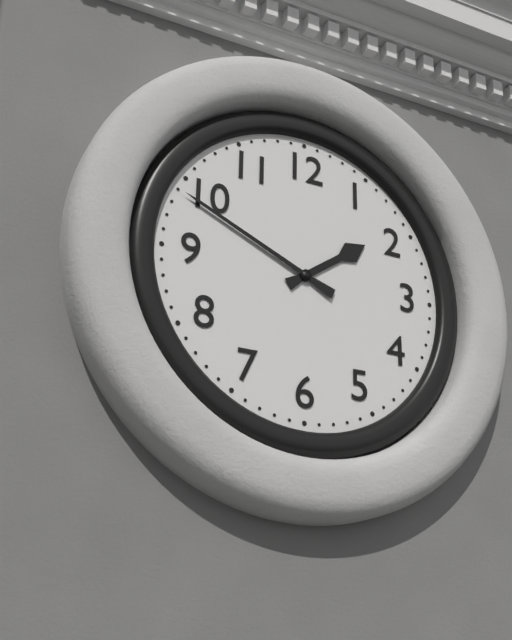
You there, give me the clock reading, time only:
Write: 1:49
